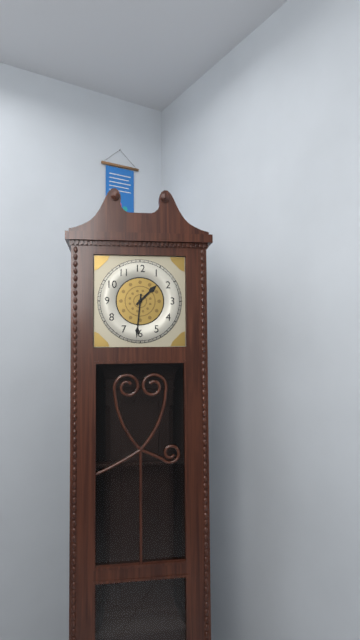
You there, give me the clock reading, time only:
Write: 1:31
